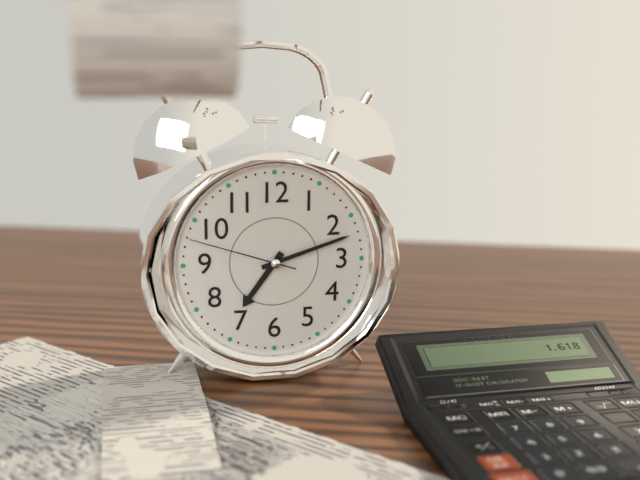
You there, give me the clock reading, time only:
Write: 7:12:48
